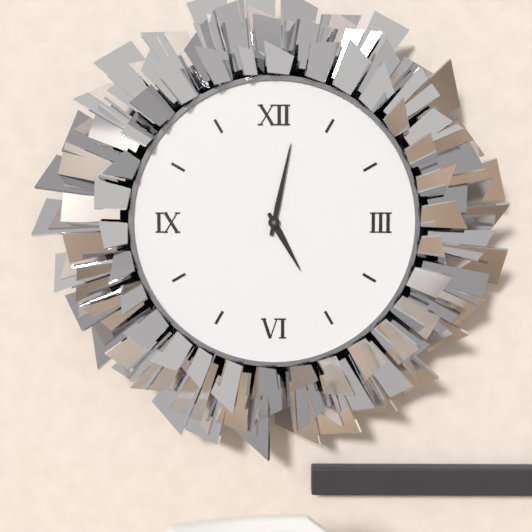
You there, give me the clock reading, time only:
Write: 5:02
